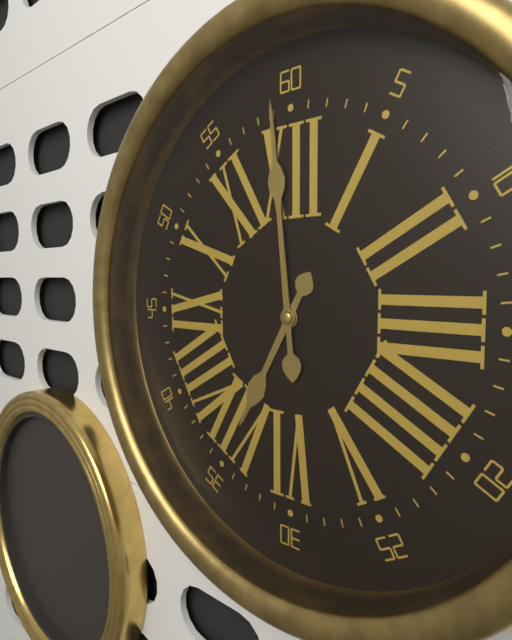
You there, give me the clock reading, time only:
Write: 6:59
